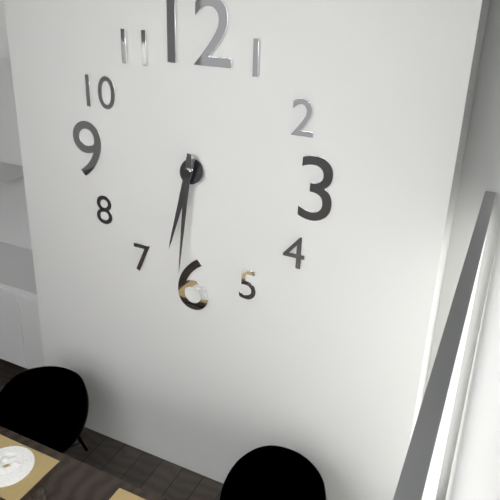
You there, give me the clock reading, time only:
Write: 6:31
